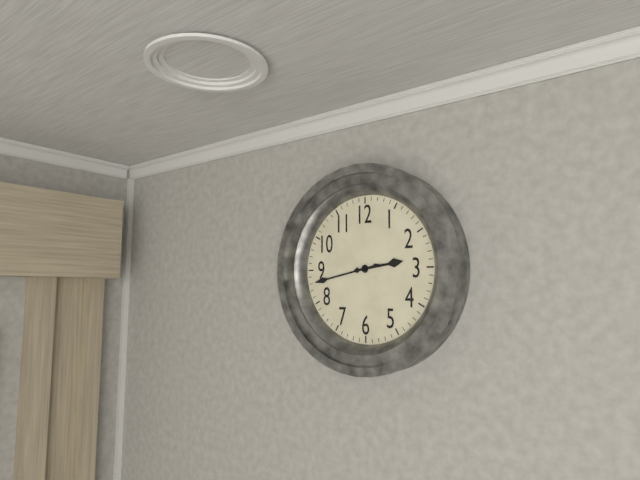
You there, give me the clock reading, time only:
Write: 2:43
